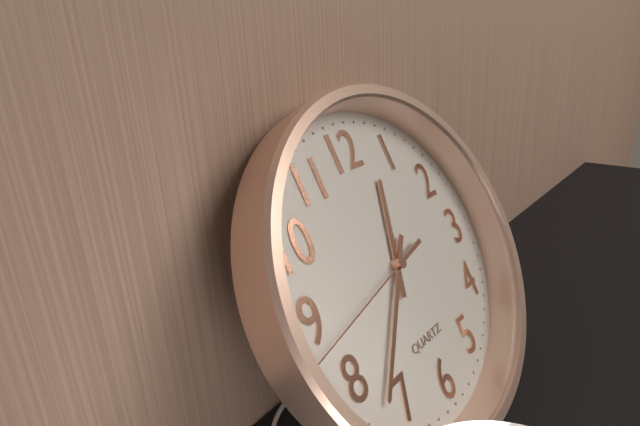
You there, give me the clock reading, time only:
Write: 12:37:43
